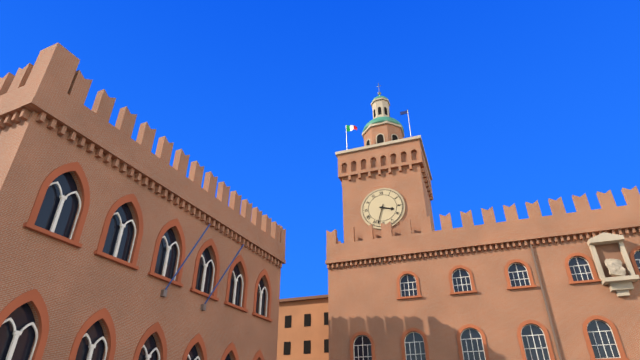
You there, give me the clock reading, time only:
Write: 3:33
